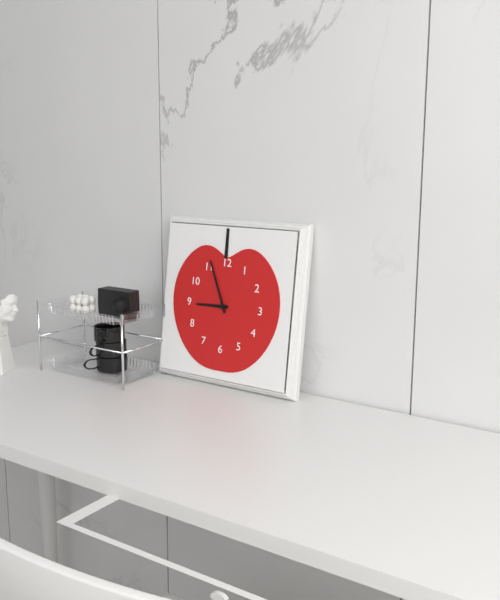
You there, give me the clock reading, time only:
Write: 8:56
